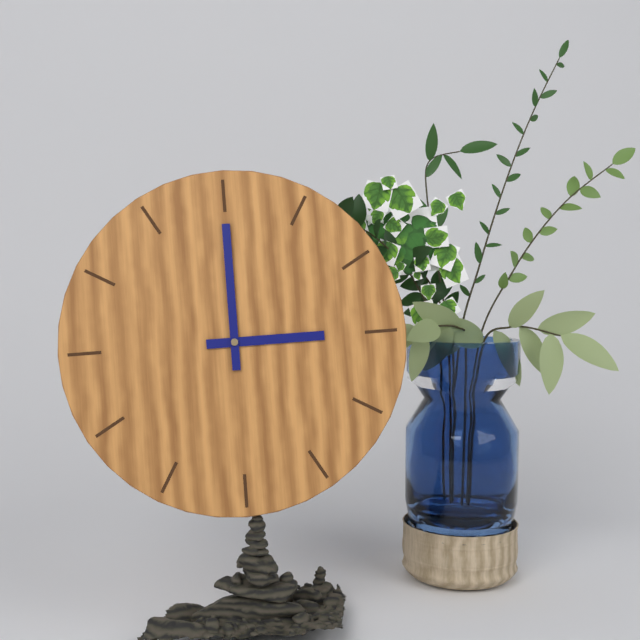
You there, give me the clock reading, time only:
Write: 3:00
